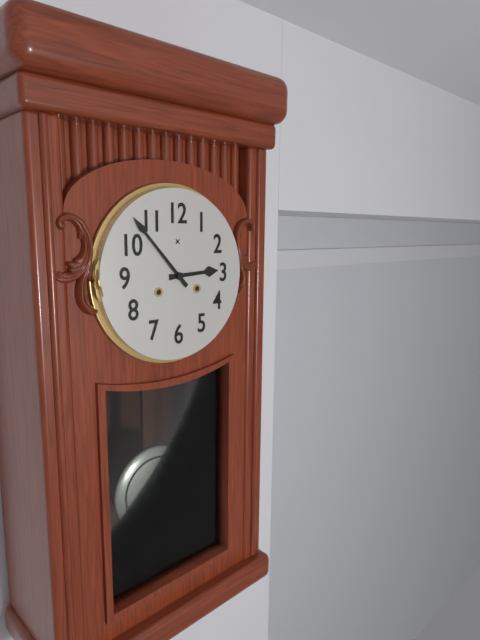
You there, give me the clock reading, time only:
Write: 2:53
